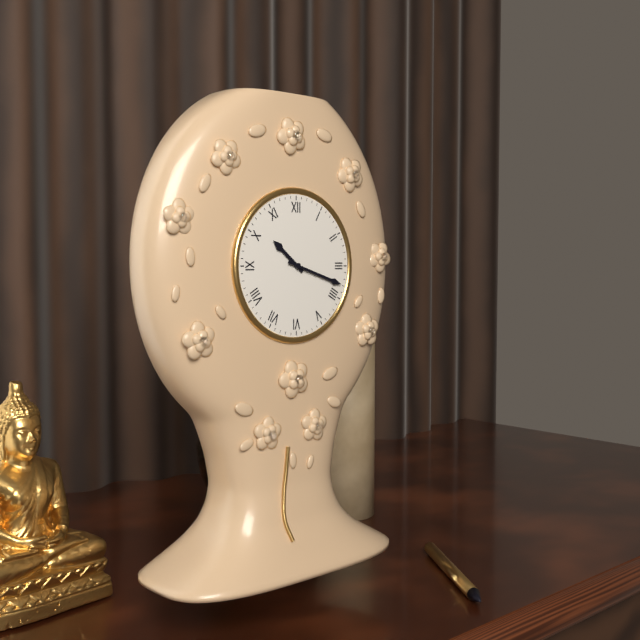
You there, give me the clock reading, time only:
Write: 10:18
